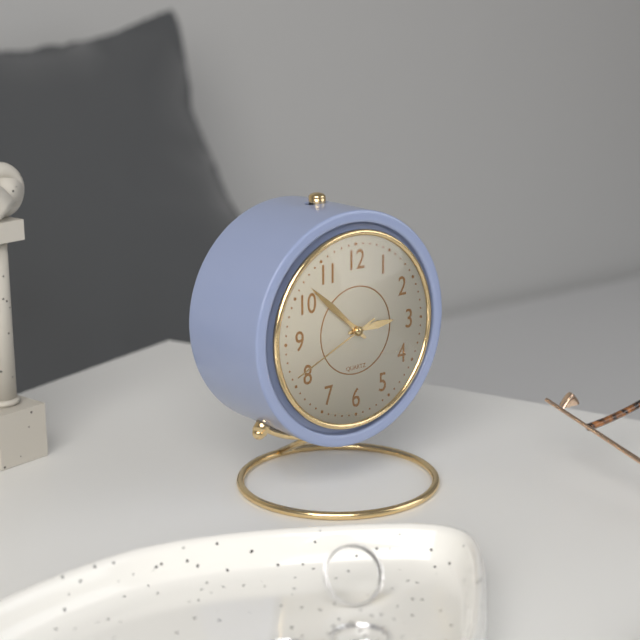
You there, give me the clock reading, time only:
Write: 2:52:41
